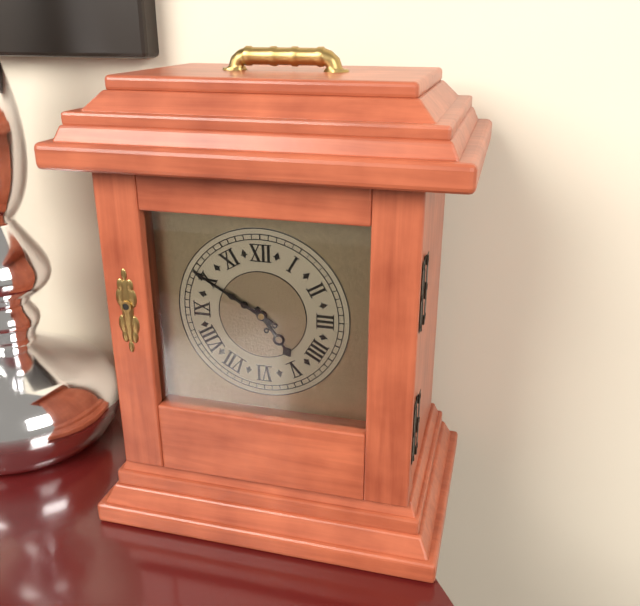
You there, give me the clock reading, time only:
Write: 4:50
